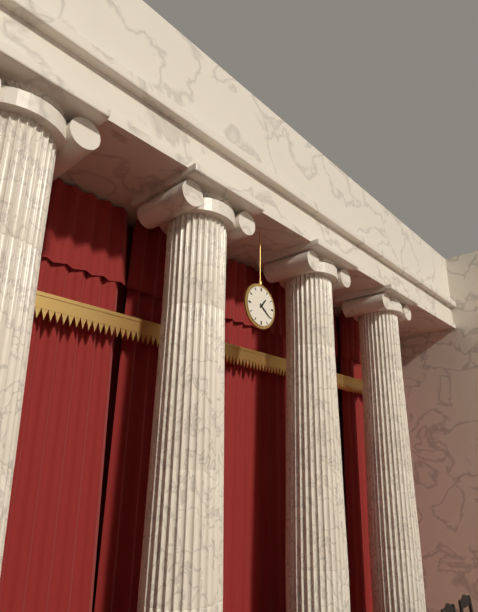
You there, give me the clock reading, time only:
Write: 1:21
